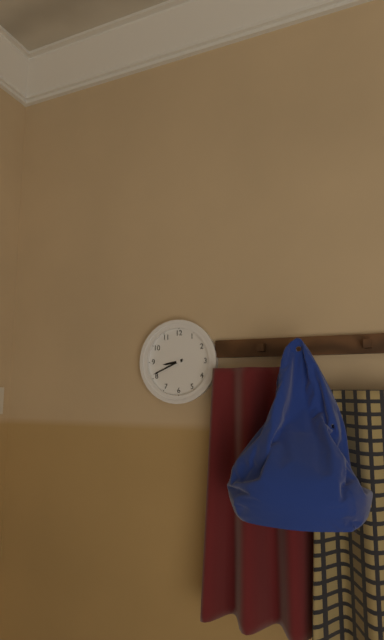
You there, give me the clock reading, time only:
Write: 8:41
